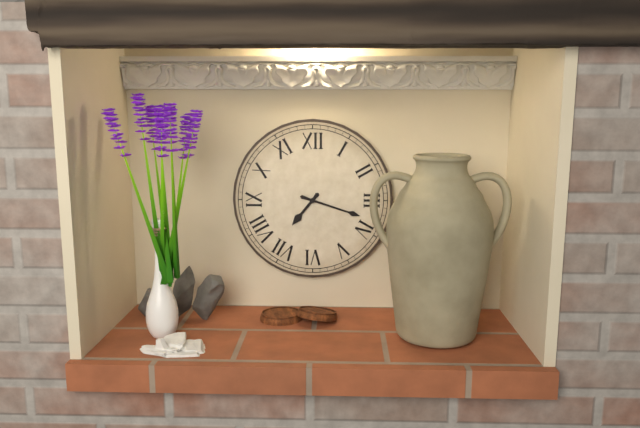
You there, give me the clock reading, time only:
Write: 7:18
